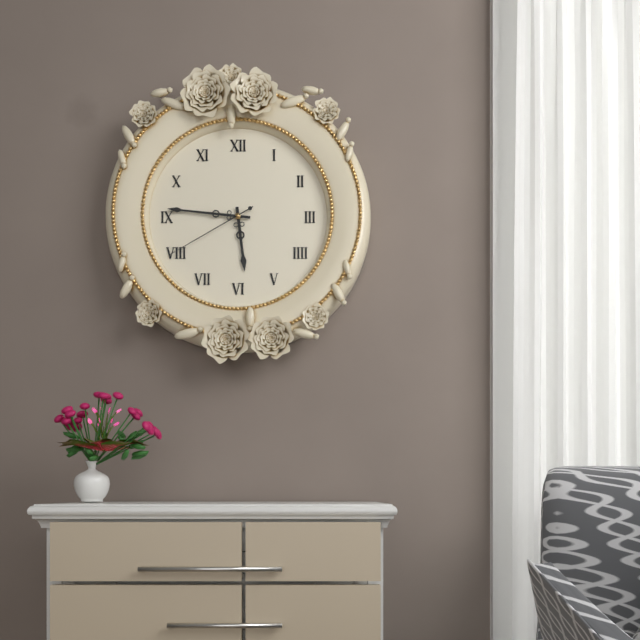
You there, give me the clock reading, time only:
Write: 5:46:40
